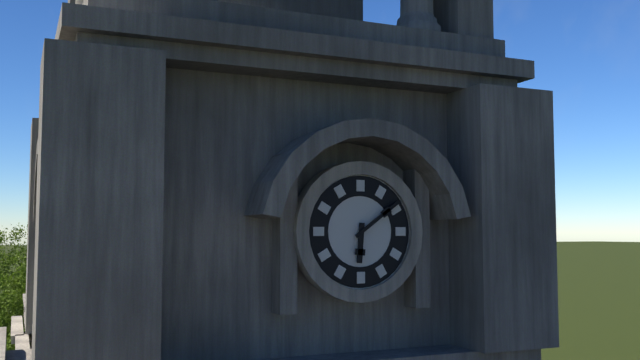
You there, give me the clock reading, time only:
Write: 6:09
